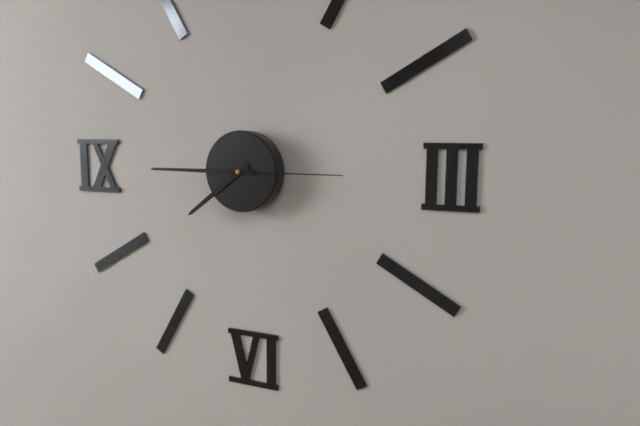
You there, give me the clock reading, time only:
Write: 7:45:15
